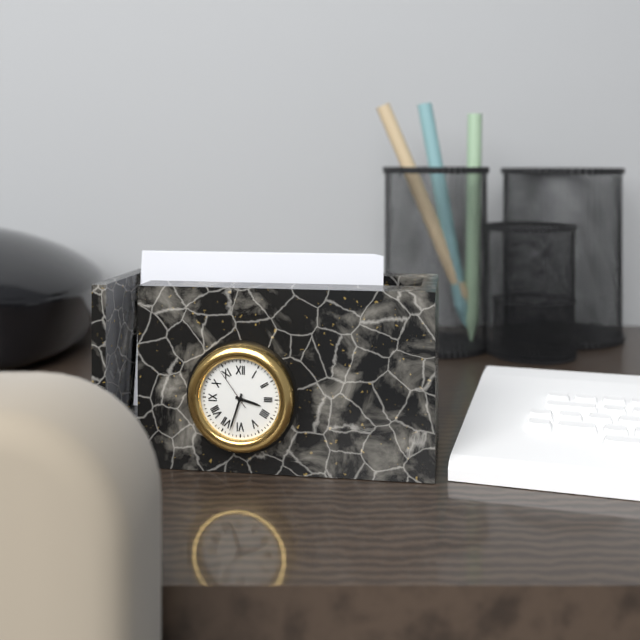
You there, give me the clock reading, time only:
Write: 3:33
